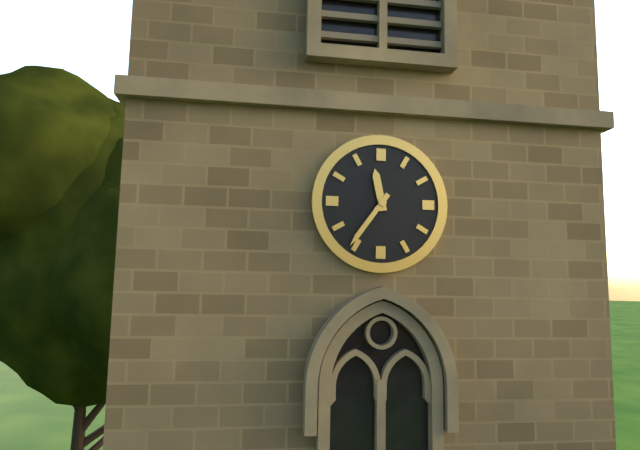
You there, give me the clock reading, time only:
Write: 11:36
